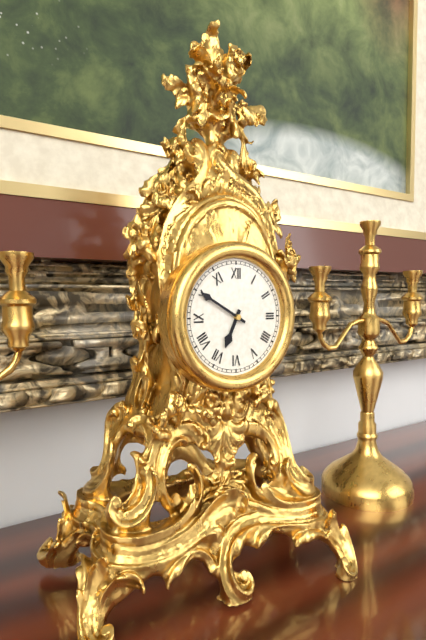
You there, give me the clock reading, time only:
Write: 6:50
